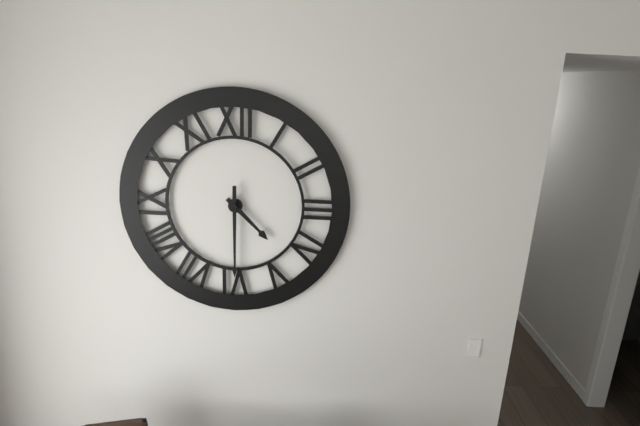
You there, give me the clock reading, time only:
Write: 4:30
